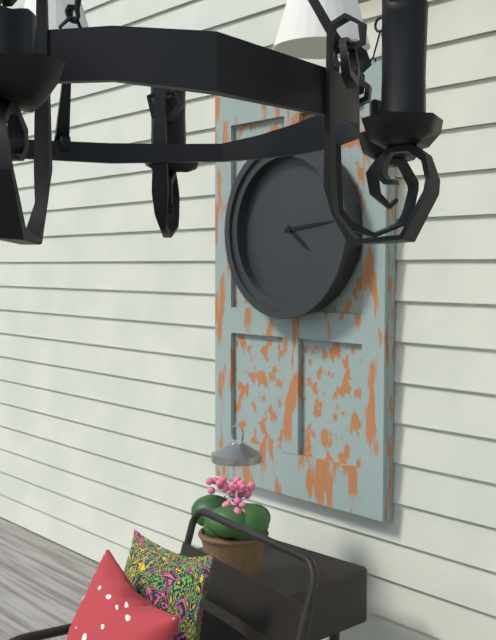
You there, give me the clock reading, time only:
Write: 4:14
